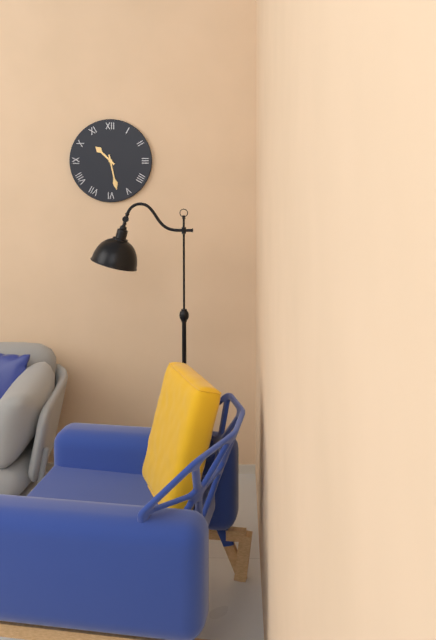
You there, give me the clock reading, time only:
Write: 10:28
